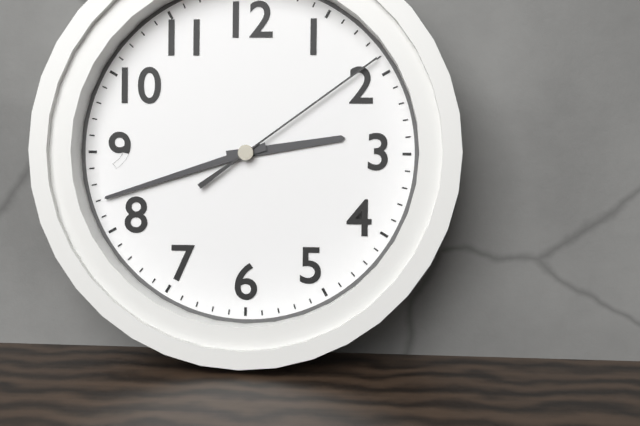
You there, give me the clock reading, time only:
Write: 2:42:09
